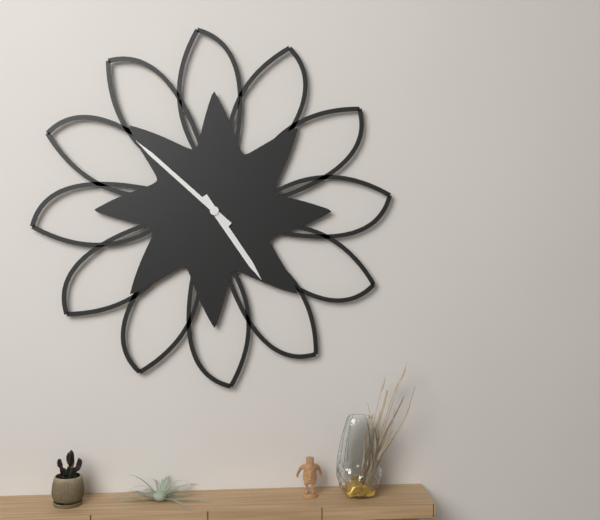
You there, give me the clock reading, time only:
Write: 4:52
